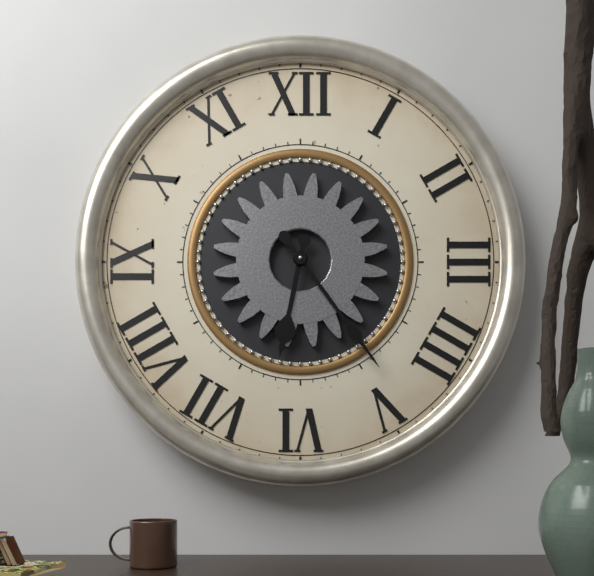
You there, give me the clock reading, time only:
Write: 6:24
